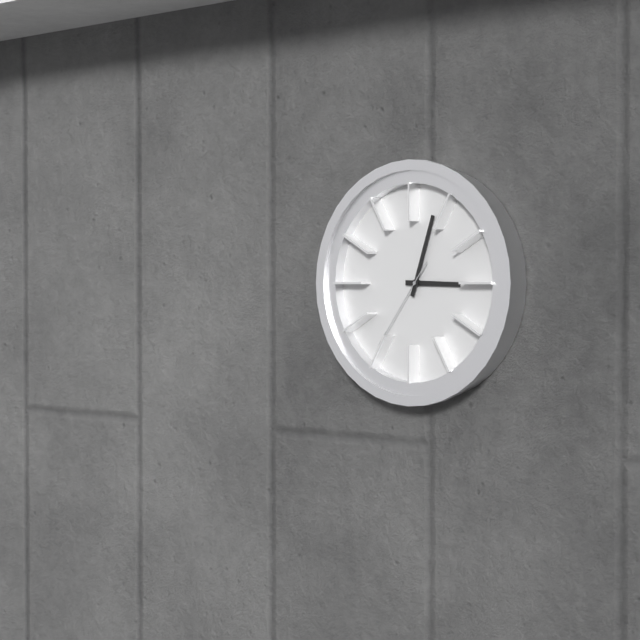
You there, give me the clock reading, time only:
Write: 3:03:36
